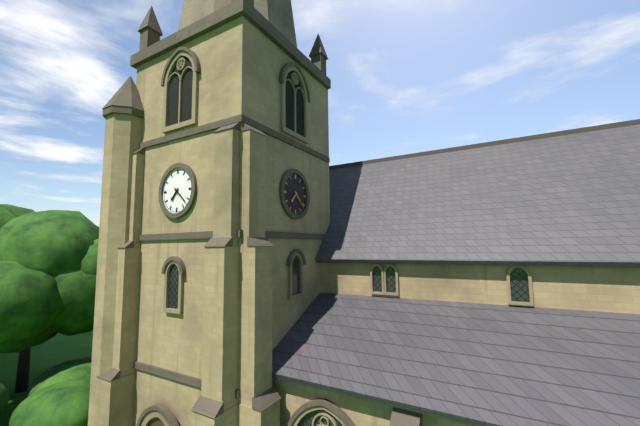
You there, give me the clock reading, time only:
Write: 7:22
